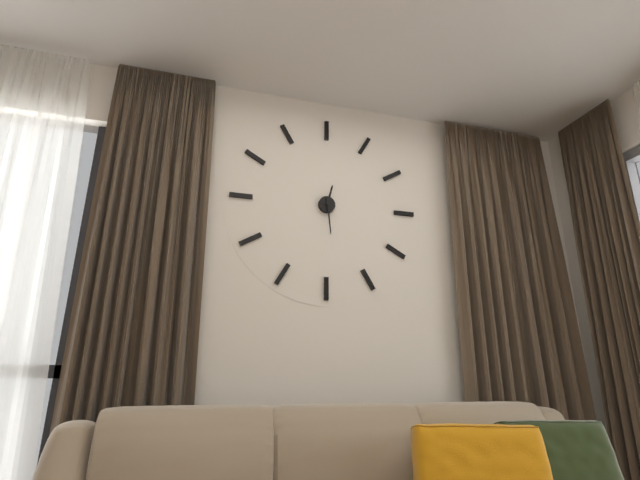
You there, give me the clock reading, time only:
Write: 12:29
